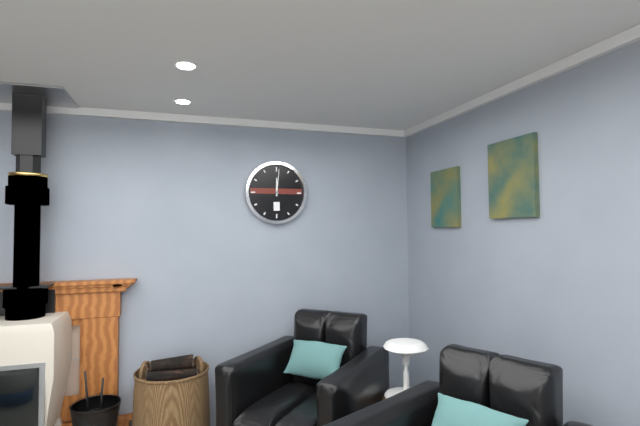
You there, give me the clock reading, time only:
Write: 12:01
